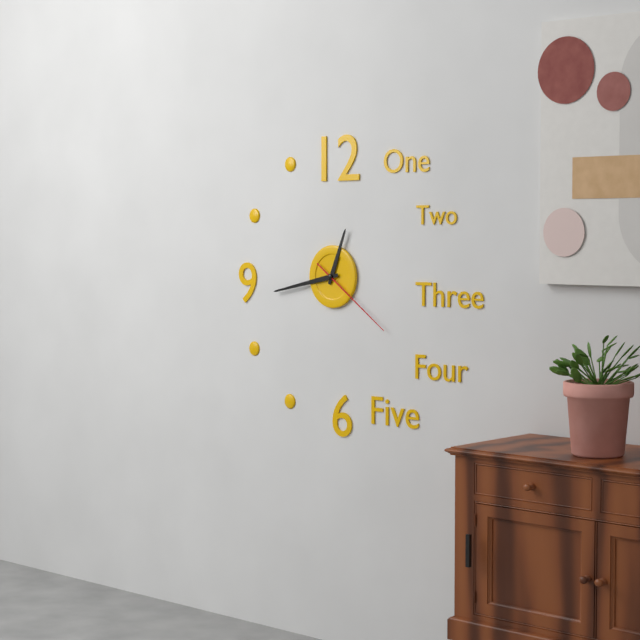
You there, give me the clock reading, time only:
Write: 12:43:21
